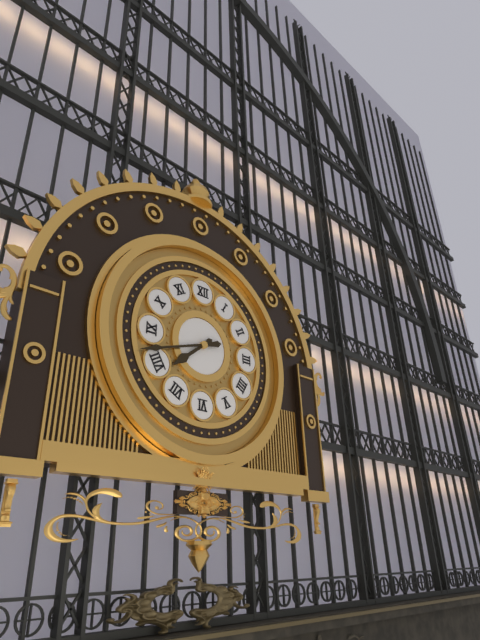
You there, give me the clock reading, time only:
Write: 7:42
